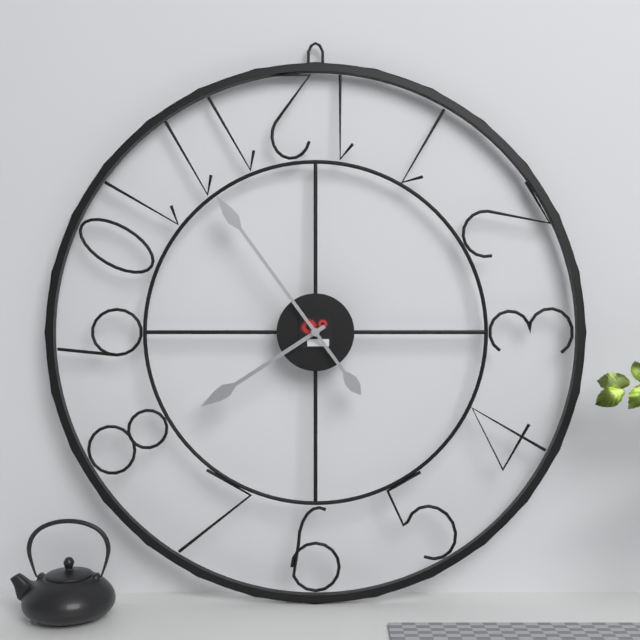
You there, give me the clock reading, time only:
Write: 7:54
